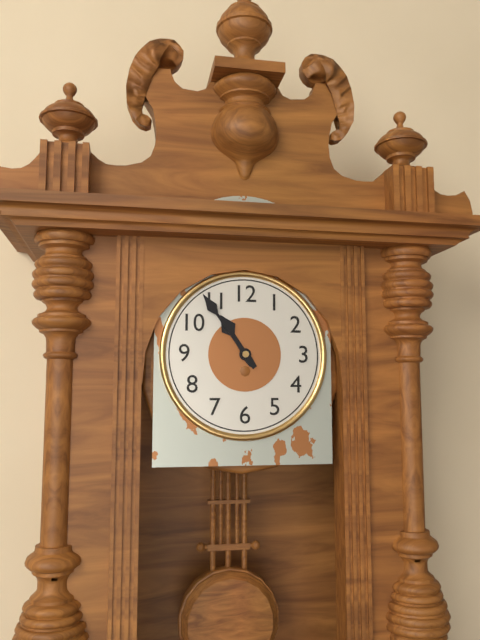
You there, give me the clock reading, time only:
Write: 10:54
